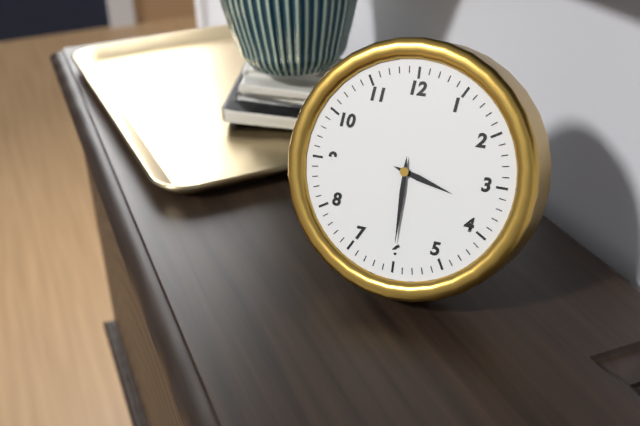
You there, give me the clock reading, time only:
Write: 3:30
